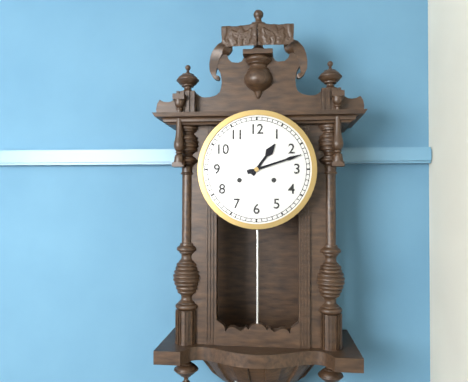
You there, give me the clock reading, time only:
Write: 1:12
